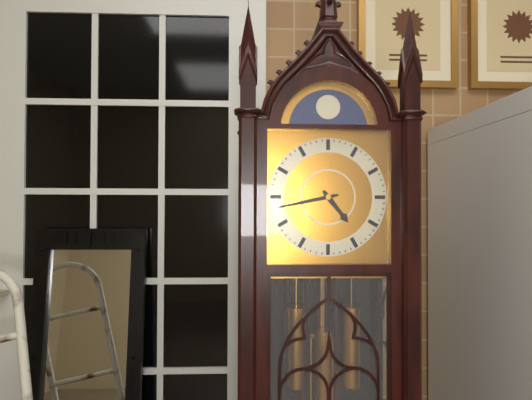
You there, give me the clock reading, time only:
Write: 4:43
